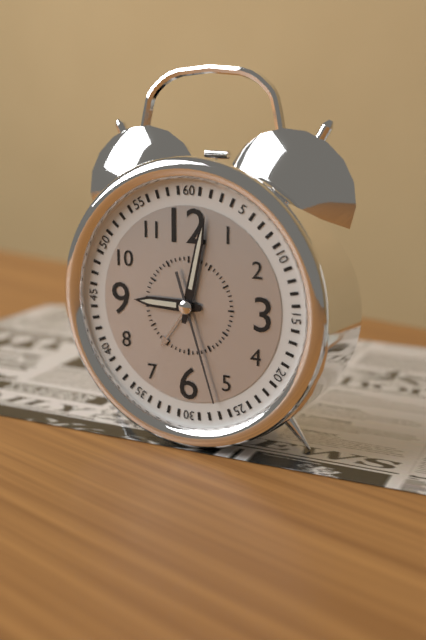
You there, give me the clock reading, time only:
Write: 9:02:27
